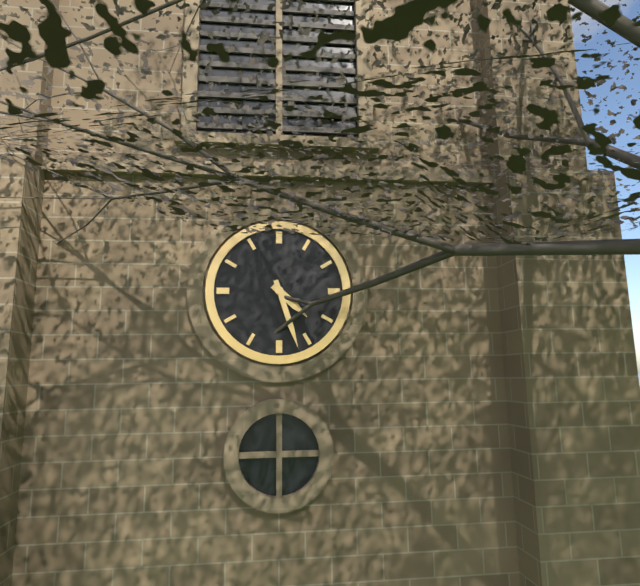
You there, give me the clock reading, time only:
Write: 4:27
